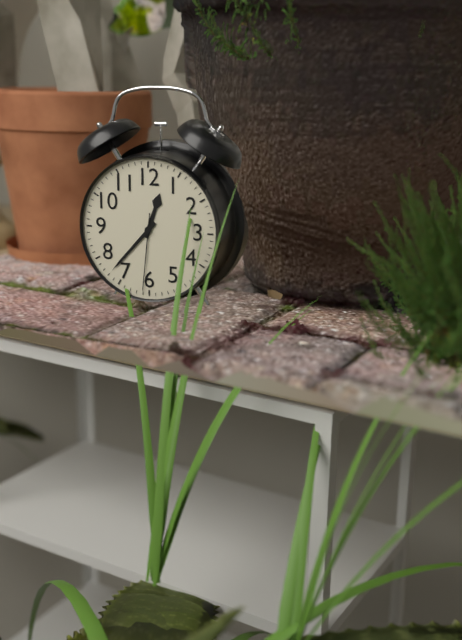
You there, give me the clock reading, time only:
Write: 12:37:31
